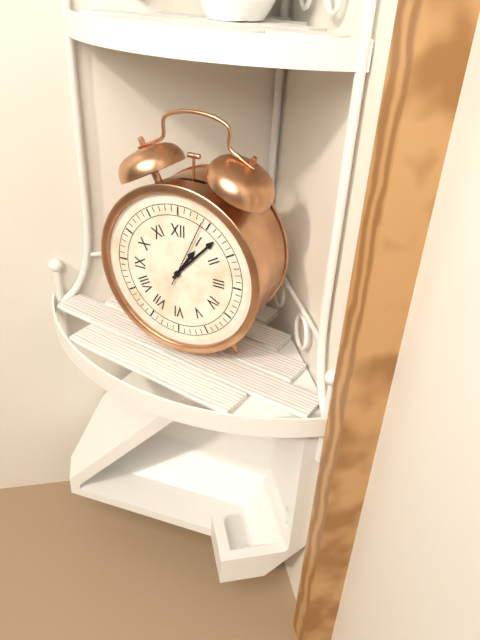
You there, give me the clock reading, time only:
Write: 1:07:04
